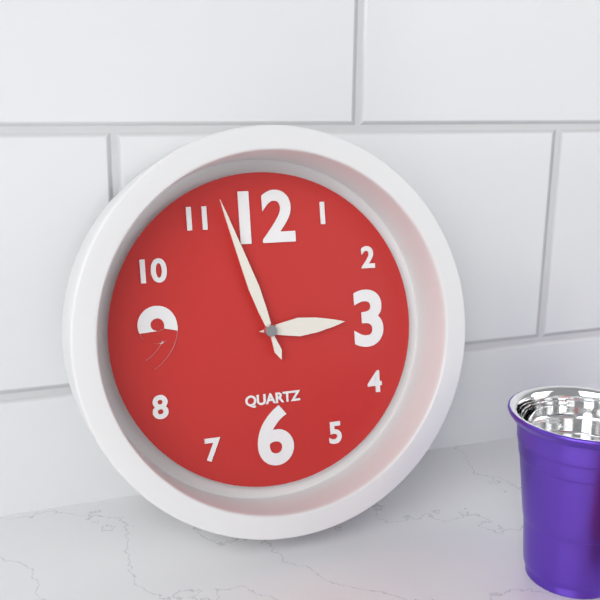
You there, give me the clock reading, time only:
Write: 2:57
